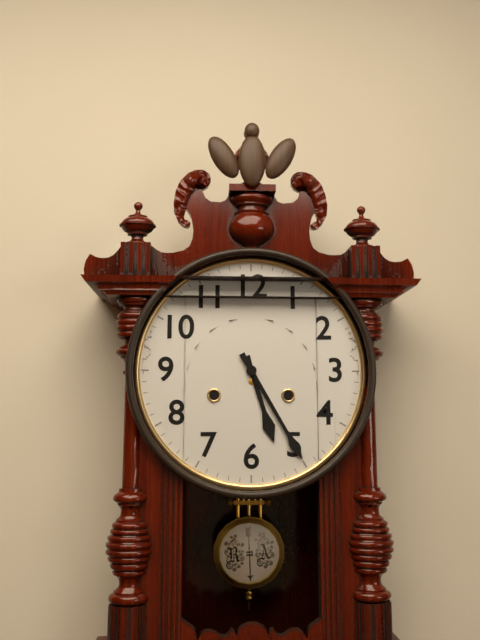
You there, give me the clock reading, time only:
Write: 5:25
